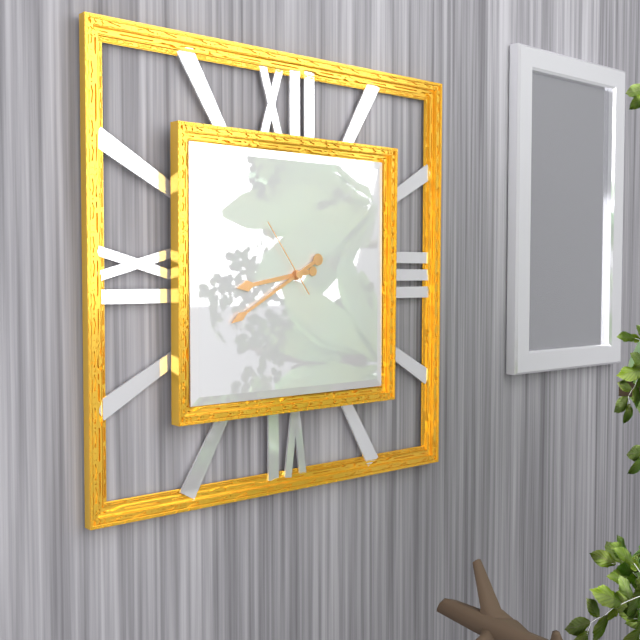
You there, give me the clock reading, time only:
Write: 8:40:54
